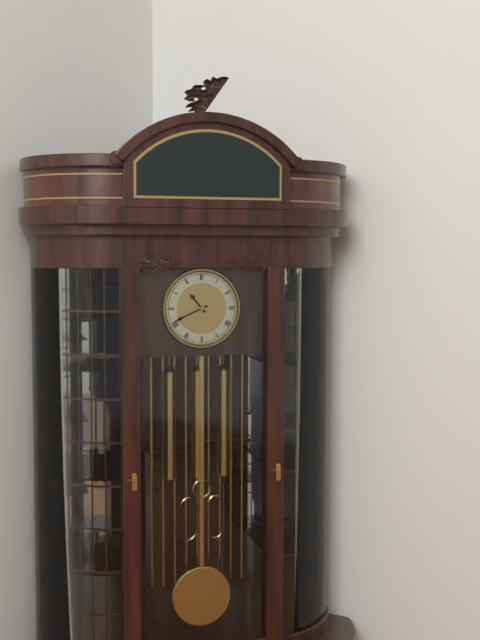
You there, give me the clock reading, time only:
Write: 10:41
